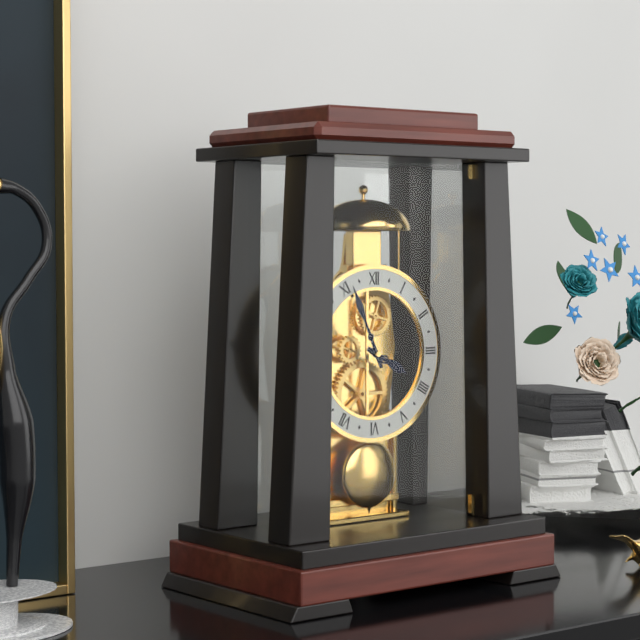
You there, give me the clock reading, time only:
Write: 3:56
